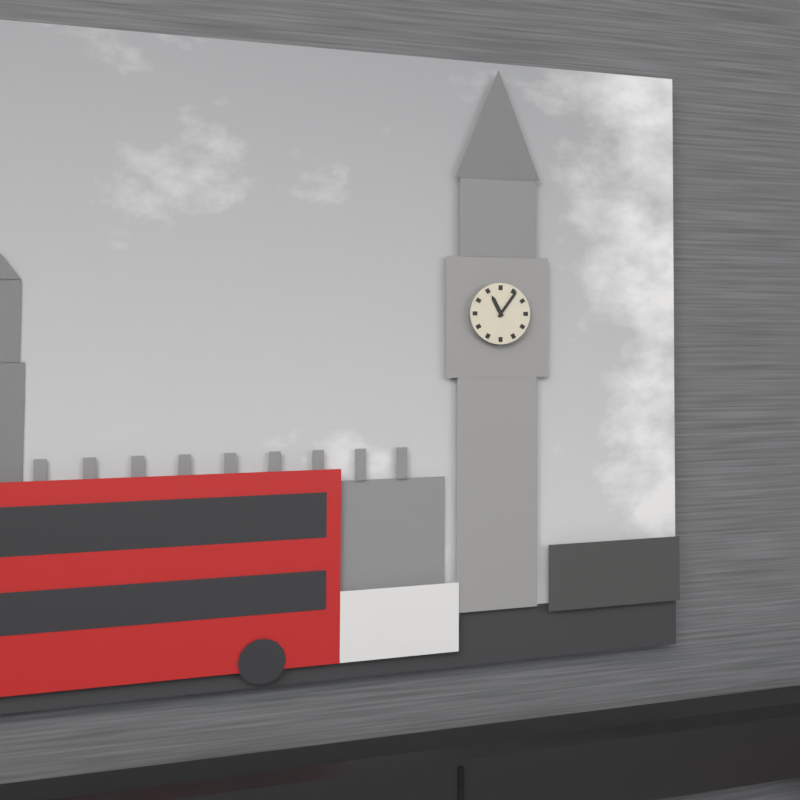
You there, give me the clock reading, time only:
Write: 11:06
